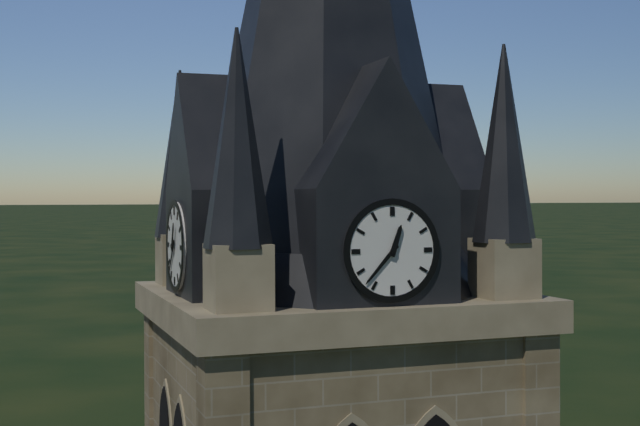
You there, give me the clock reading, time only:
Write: 12:37
